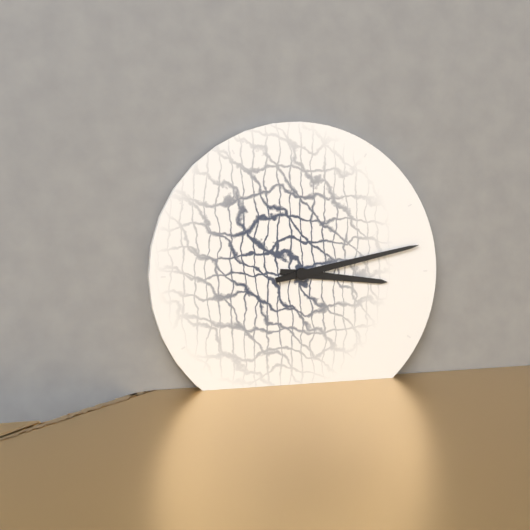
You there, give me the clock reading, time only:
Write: 3:13
